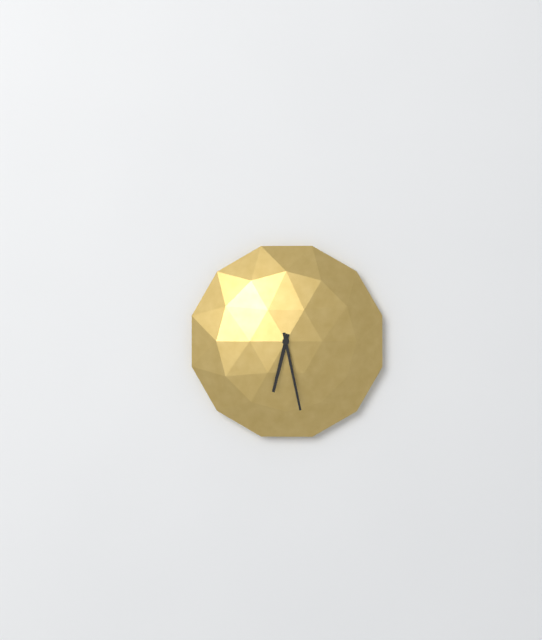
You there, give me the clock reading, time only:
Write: 6:28
